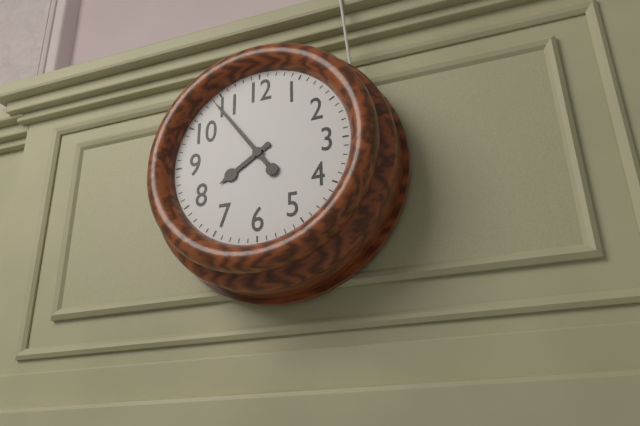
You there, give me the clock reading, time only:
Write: 7:54
